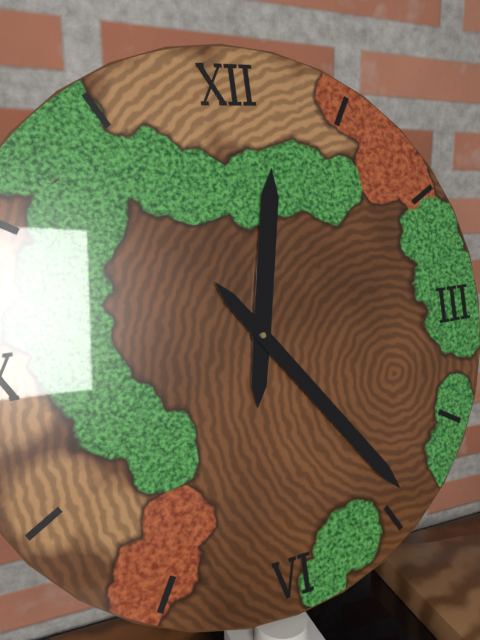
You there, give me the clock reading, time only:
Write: 12:24
